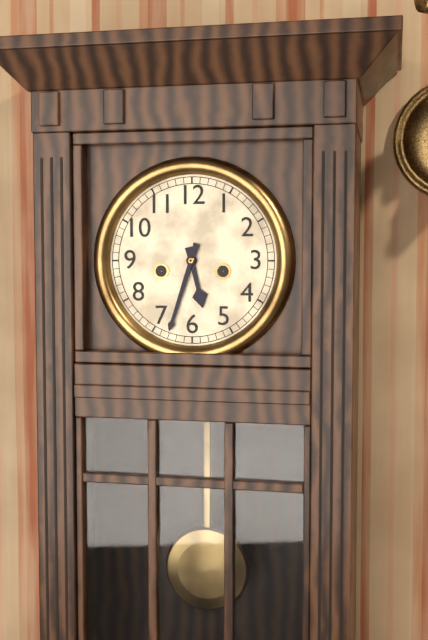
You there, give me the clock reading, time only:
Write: 5:33
